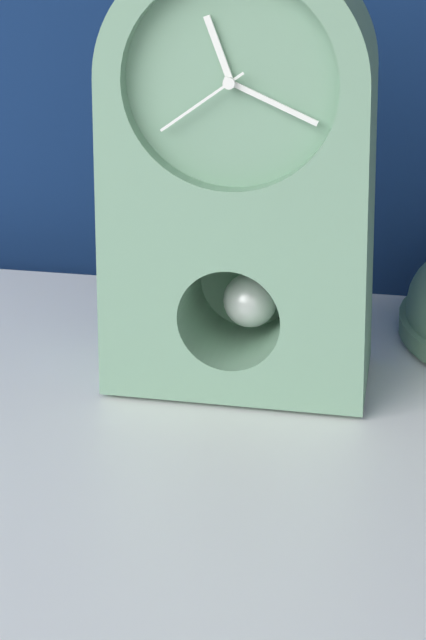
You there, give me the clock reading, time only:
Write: 11:19:39
